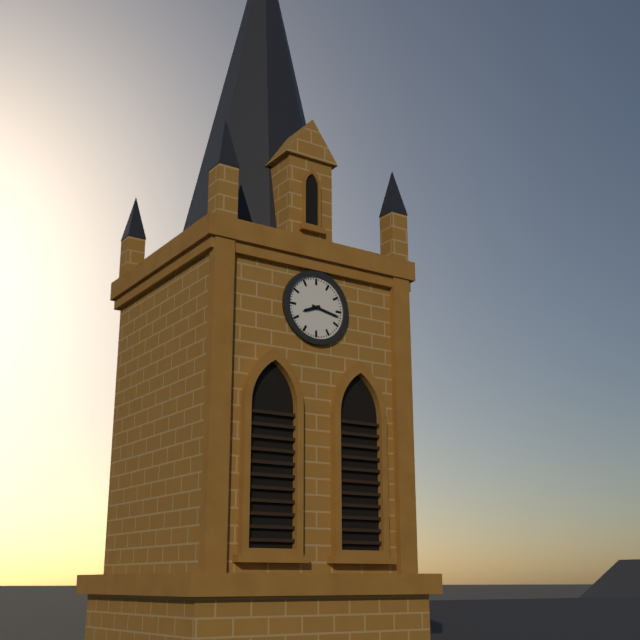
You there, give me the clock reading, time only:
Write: 8:17
